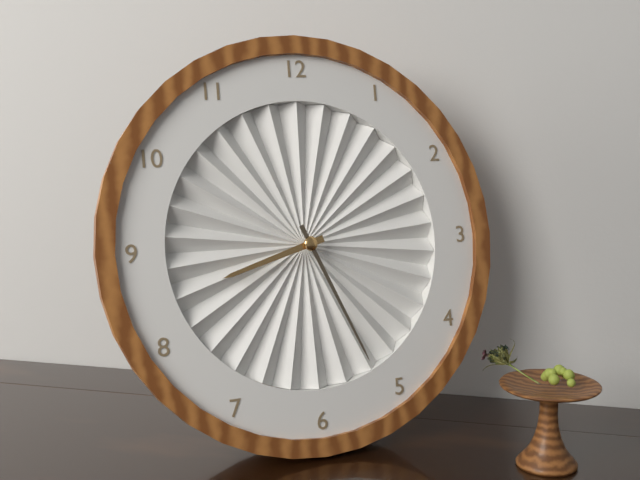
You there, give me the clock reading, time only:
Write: 8:26
